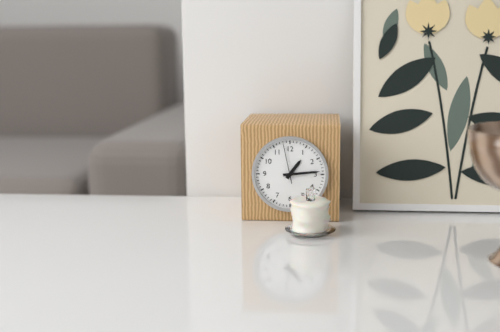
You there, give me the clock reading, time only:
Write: 1:14
